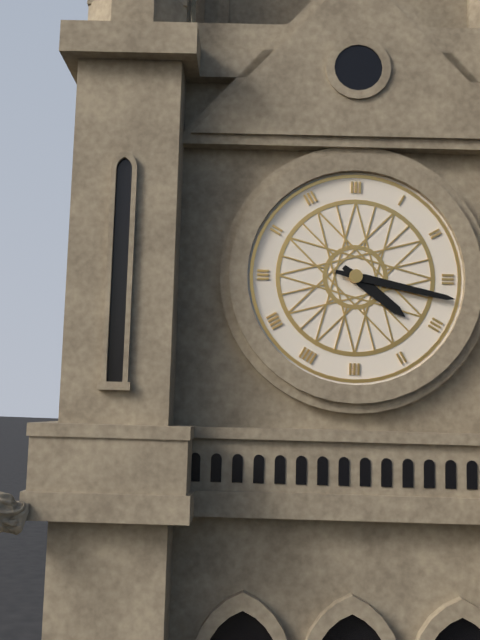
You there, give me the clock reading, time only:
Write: 4:17
